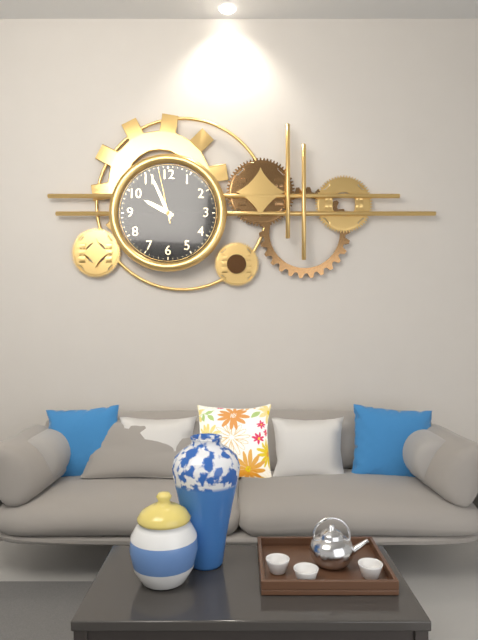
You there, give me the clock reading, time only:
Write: 9:56:58
